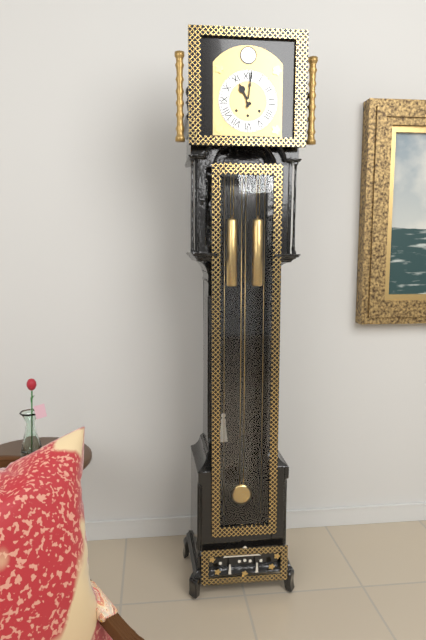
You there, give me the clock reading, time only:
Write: 11:01
